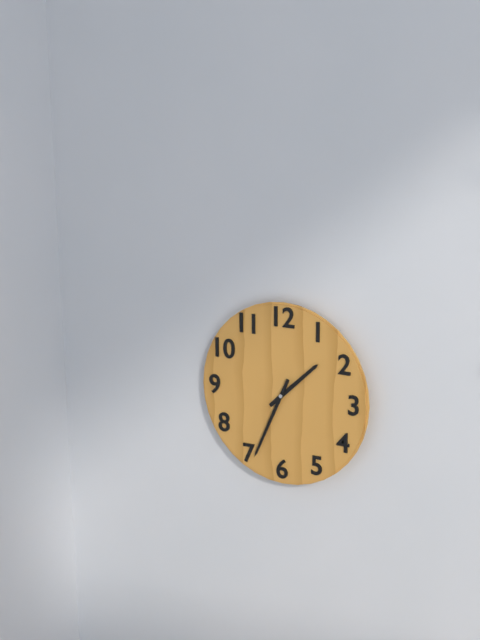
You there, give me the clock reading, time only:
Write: 1:34
